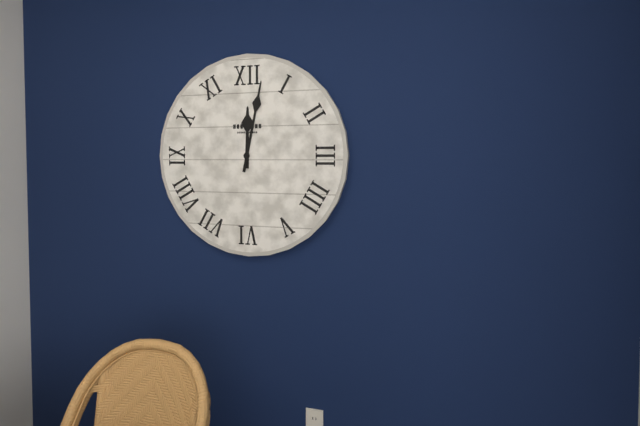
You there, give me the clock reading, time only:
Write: 12:02
